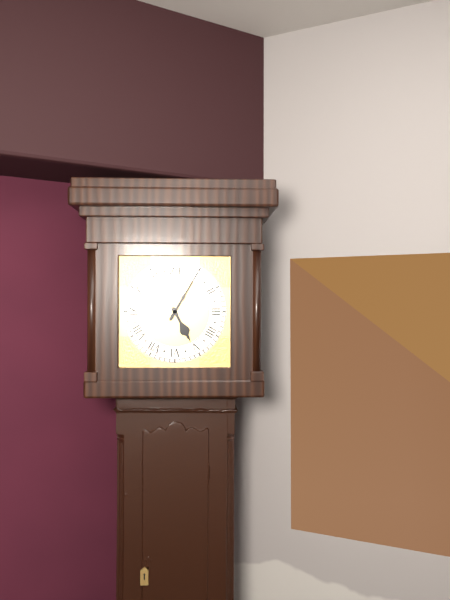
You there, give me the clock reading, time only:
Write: 5:05
